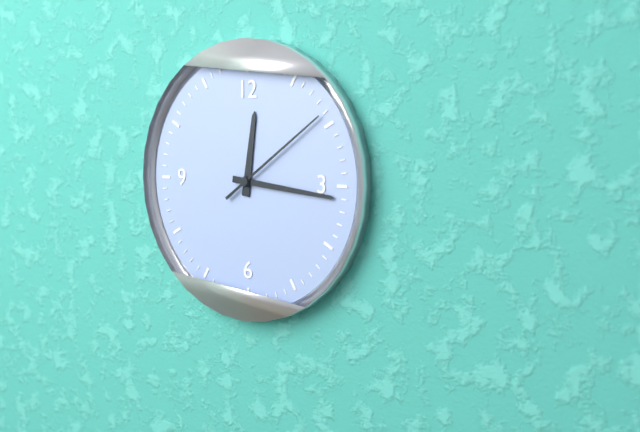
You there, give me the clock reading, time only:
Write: 12:16:09
